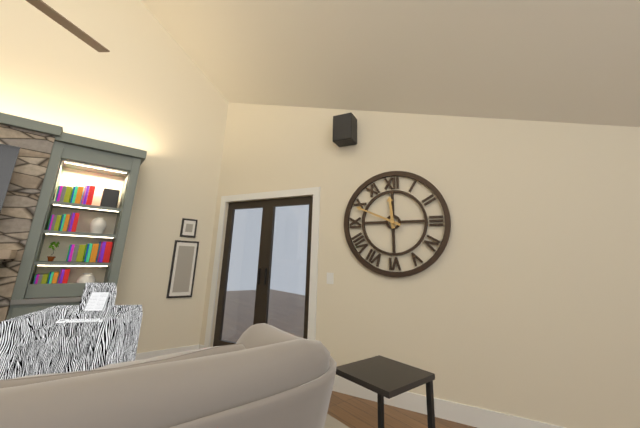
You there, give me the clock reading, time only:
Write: 11:49
